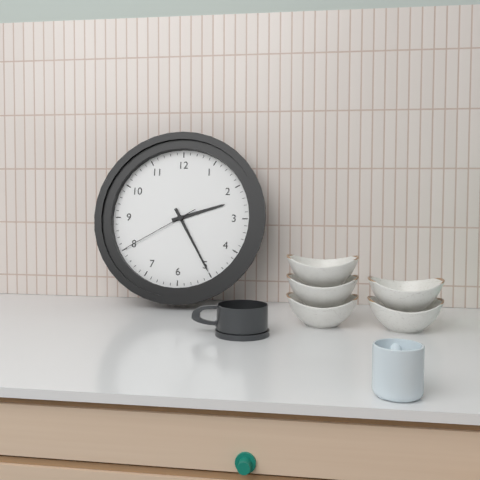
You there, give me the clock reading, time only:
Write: 2:25:40
